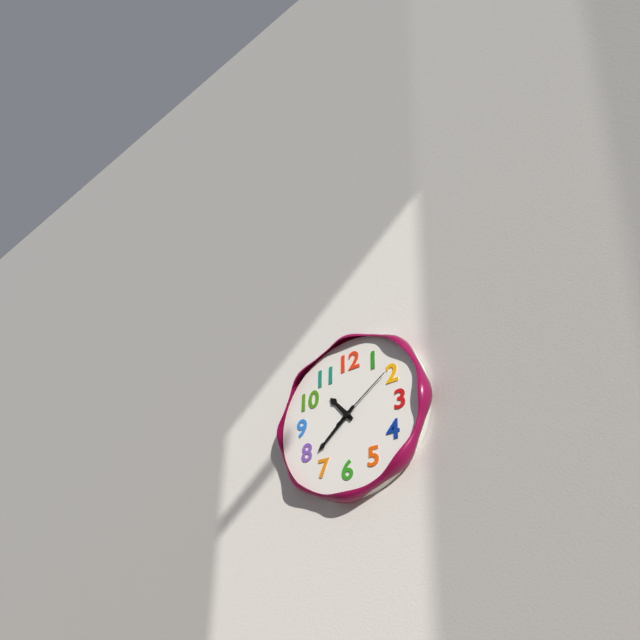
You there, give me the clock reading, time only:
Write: 10:38:09
